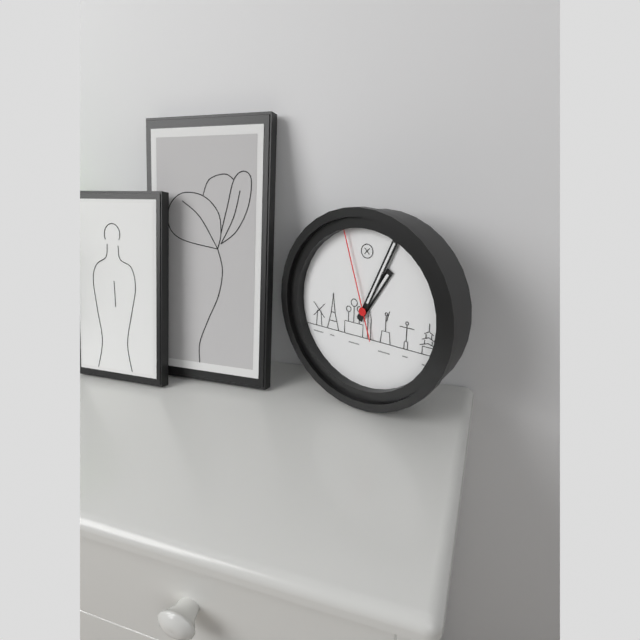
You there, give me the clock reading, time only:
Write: 1:04:57
